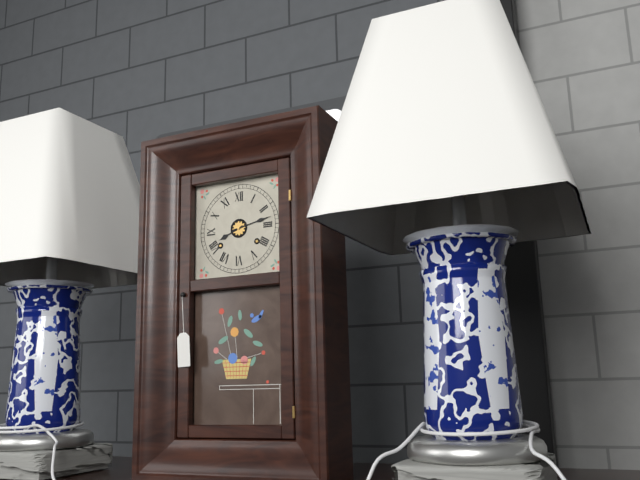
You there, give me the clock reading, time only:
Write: 8:13
